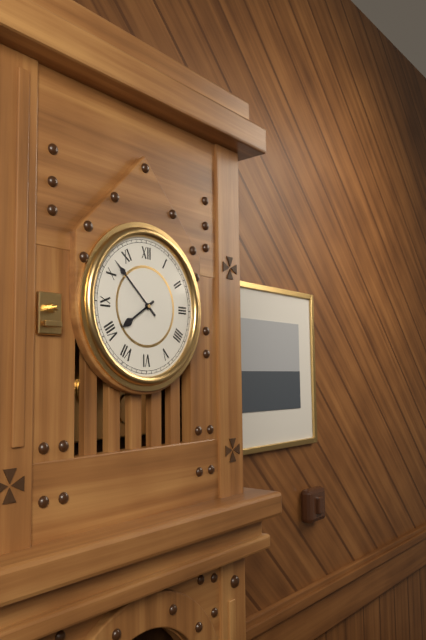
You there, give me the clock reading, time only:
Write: 7:52
